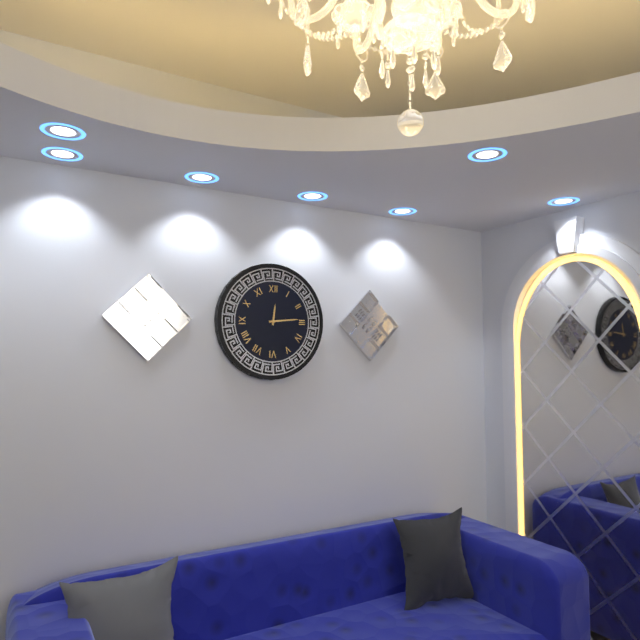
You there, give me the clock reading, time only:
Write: 12:14
